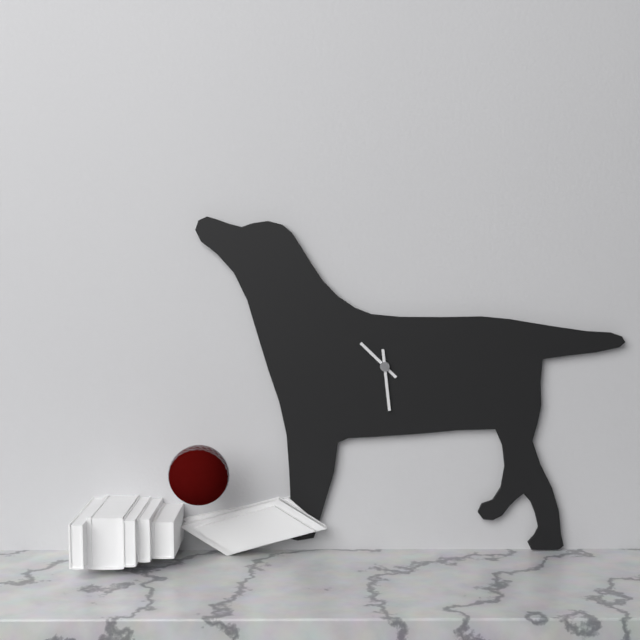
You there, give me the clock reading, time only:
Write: 10:29
